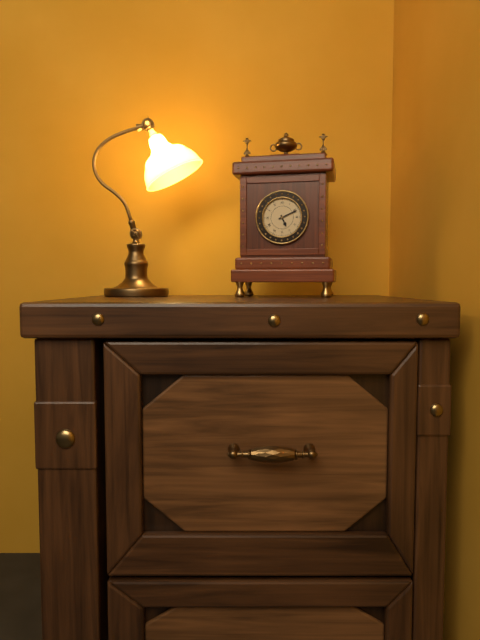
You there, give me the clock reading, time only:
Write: 5:11
